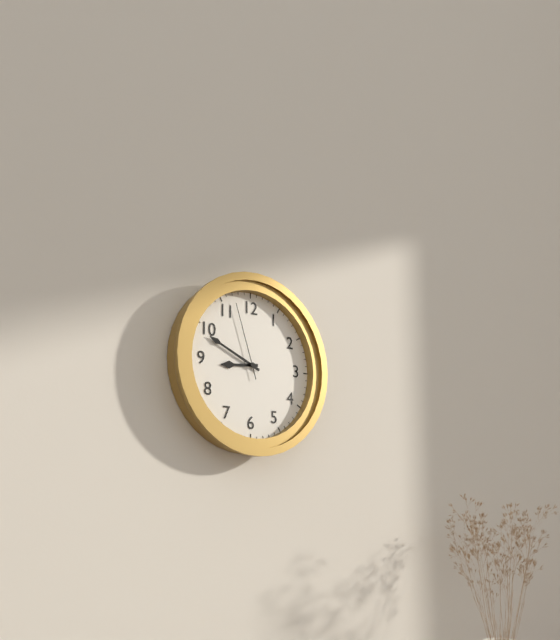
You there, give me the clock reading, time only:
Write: 8:49:57
